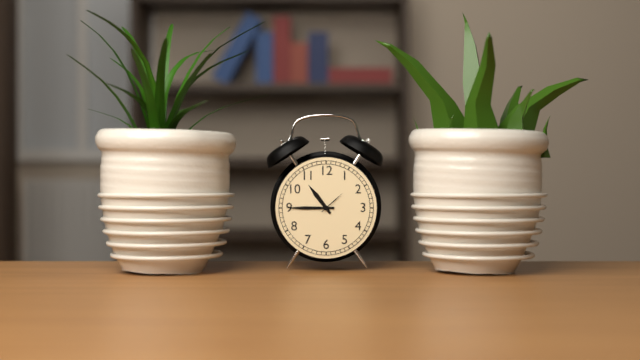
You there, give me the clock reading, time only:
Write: 10:45
